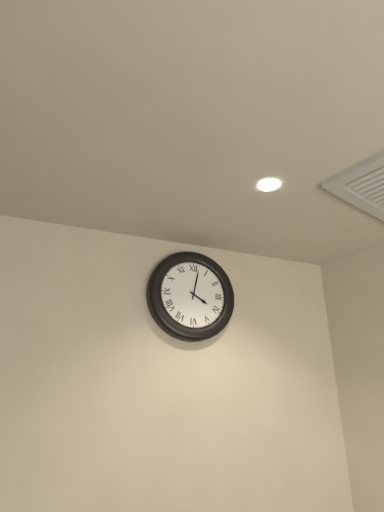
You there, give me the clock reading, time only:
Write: 4:02
